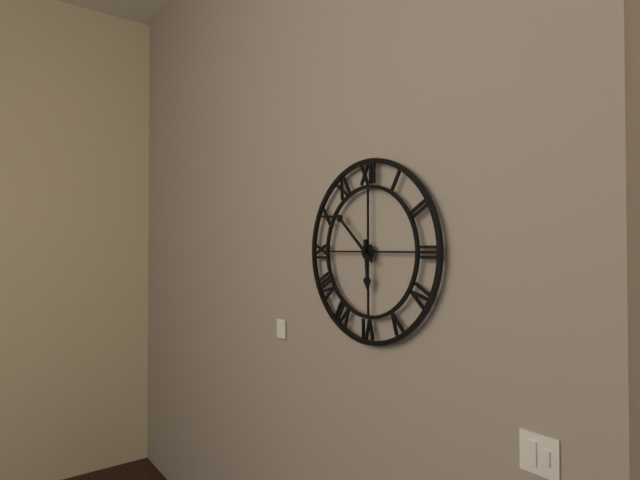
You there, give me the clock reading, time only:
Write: 5:52
